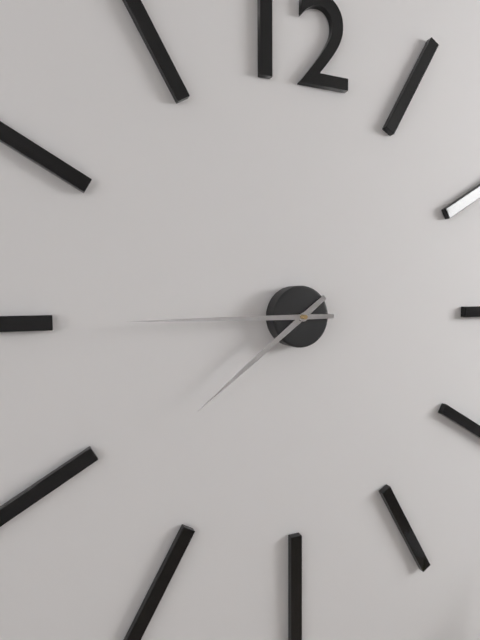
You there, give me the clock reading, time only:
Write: 7:45
